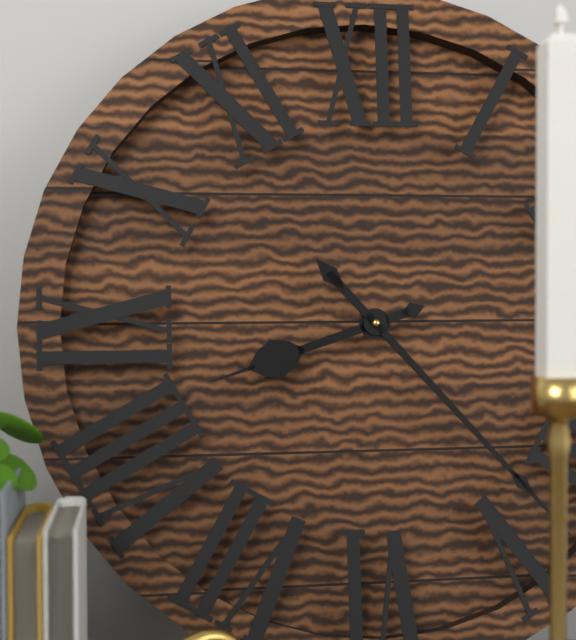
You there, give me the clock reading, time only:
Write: 8:23
